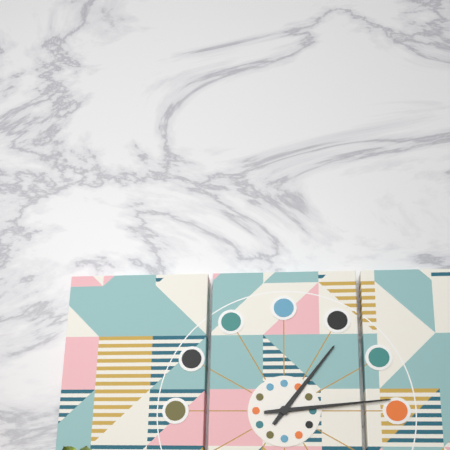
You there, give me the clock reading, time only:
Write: 1:14
